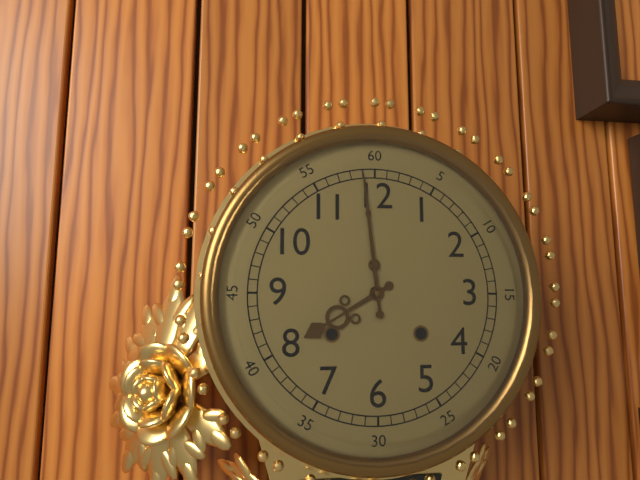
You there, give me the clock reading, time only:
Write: 7:59
